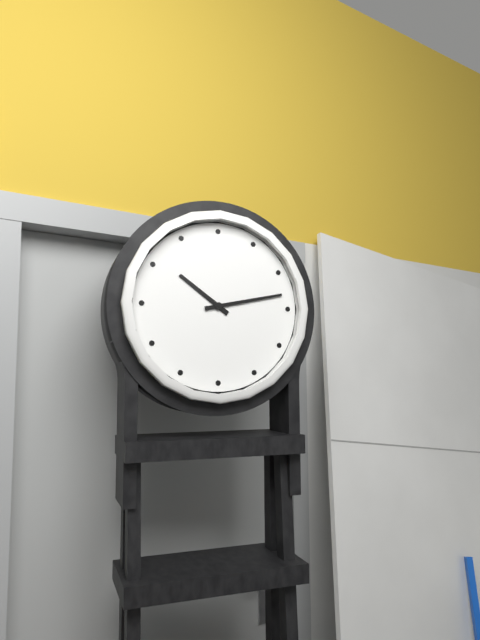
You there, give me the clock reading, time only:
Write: 10:13
